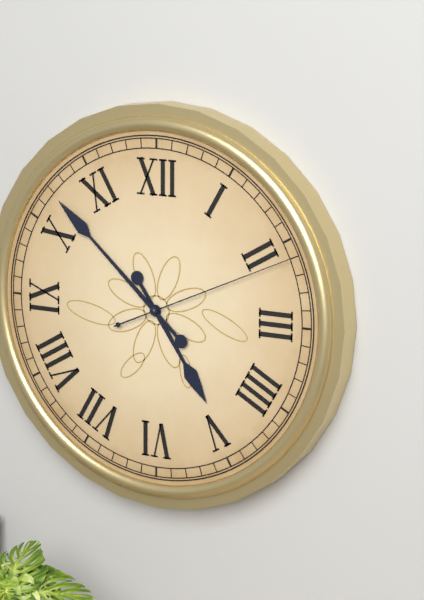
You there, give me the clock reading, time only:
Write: 4:52:11
